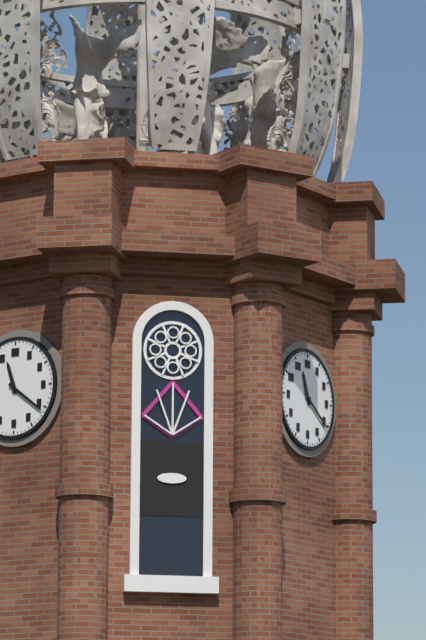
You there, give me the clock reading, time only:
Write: 11:21
